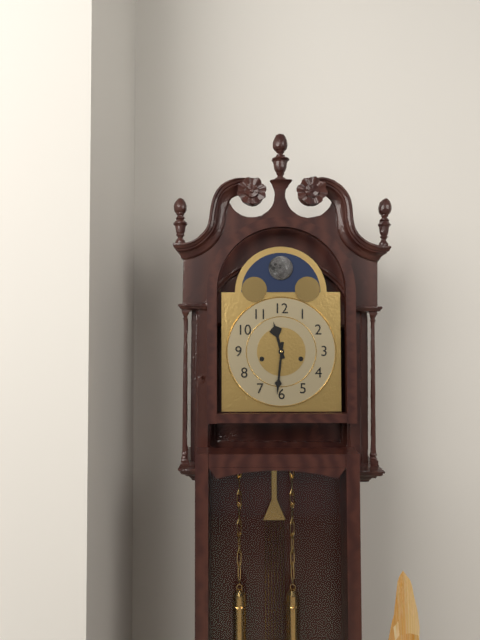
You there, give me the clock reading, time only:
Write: 11:31
